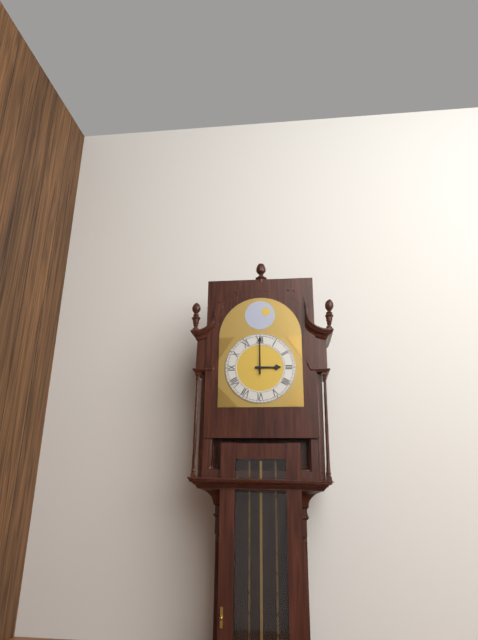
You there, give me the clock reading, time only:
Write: 3:00
